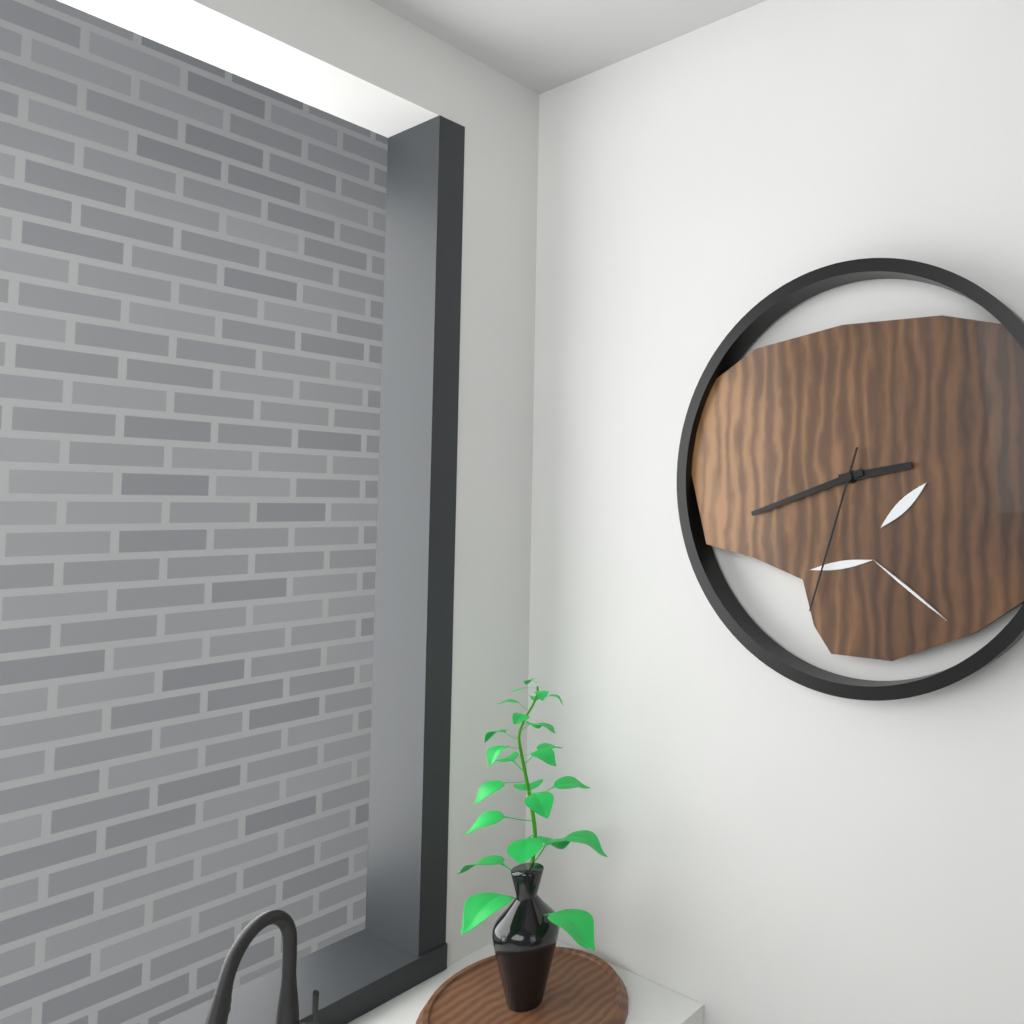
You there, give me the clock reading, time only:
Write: 2:42:33
